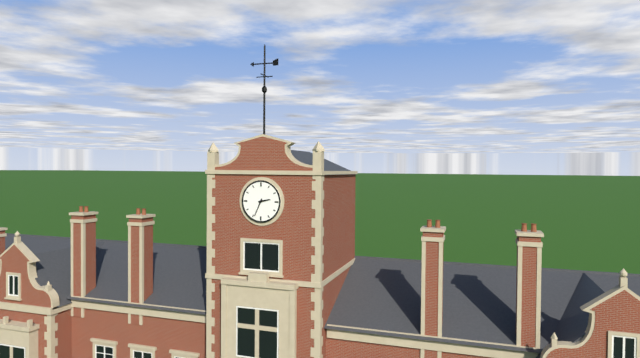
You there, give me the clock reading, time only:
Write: 2:34
